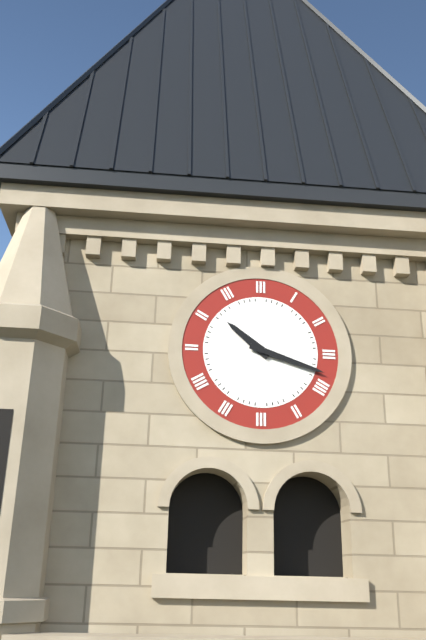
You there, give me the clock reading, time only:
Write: 10:18
